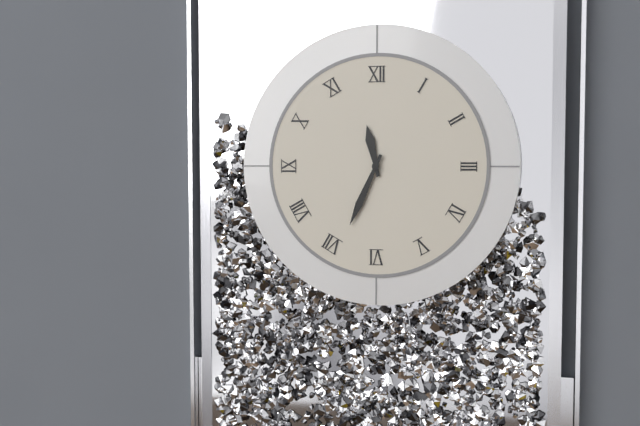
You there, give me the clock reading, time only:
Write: 11:34
